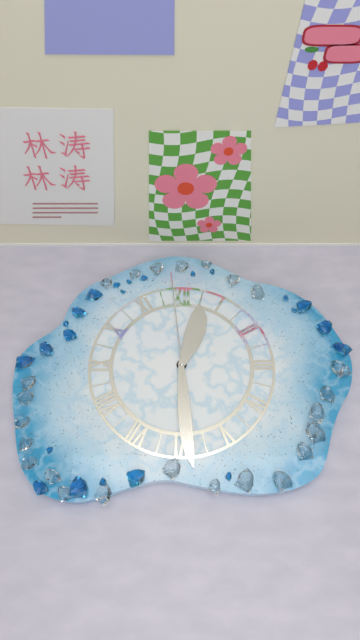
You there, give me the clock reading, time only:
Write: 12:29:59
